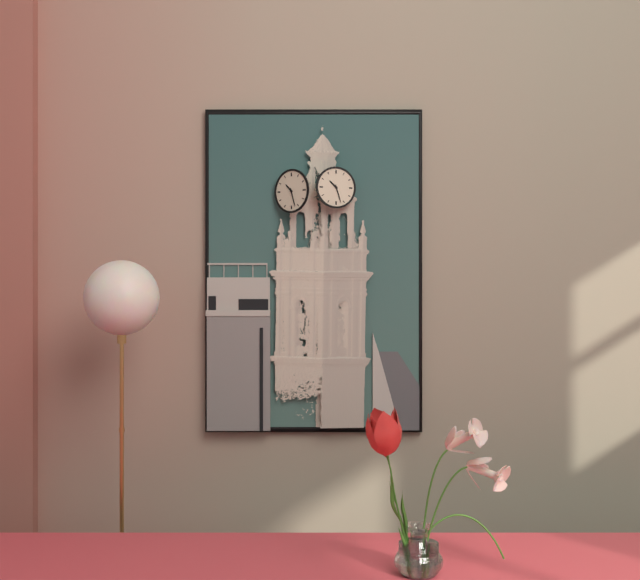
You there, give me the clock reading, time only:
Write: 10:27
